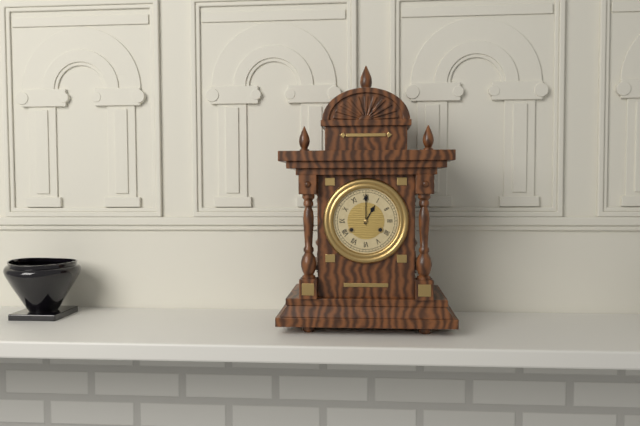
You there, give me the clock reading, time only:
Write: 1:00
